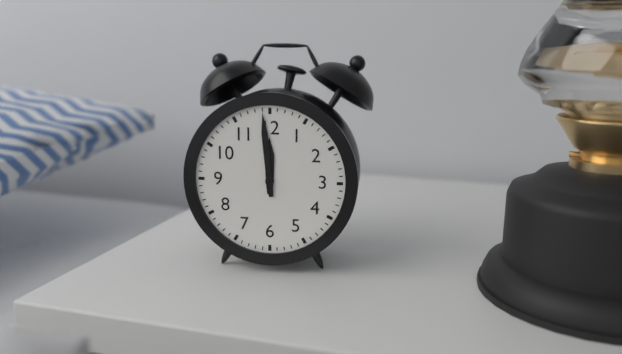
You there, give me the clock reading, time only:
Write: 11:59
